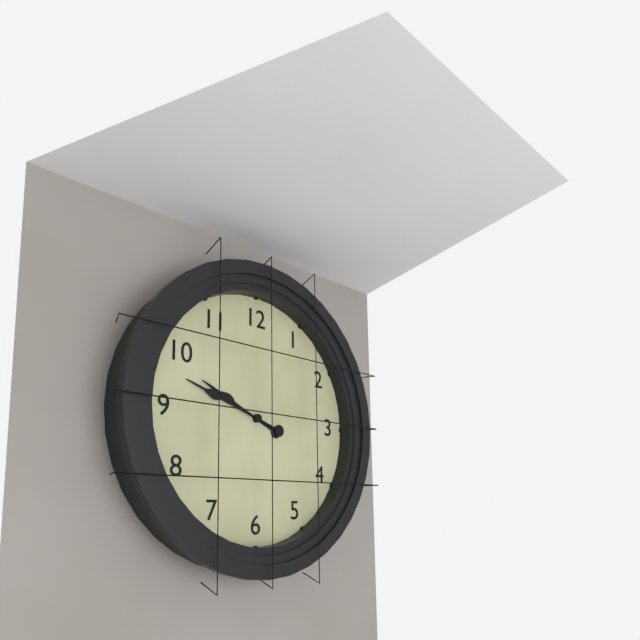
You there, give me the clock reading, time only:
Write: 9:48
